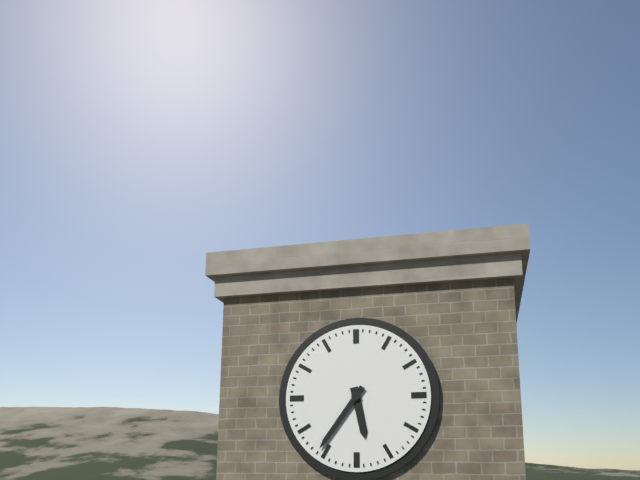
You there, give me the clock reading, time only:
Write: 5:36
